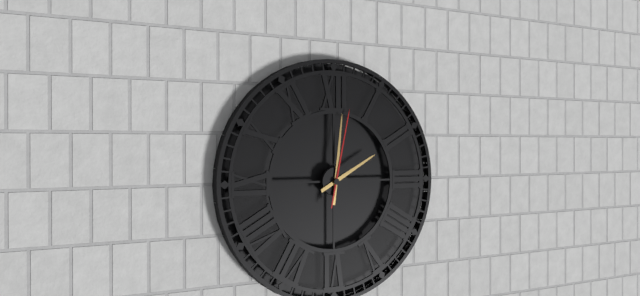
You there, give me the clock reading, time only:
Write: 2:01:02
